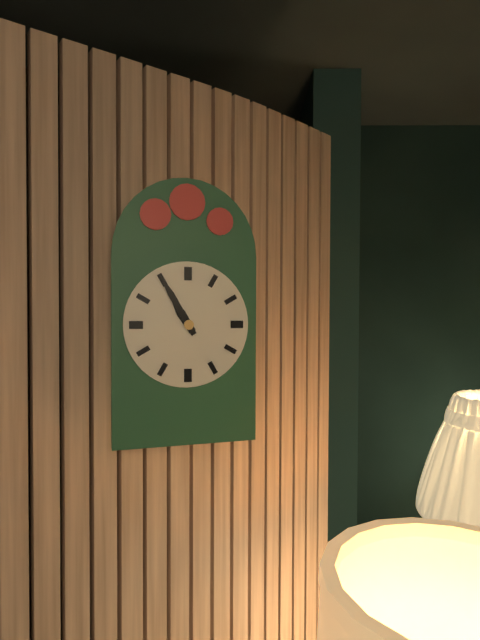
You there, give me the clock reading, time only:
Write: 10:55
